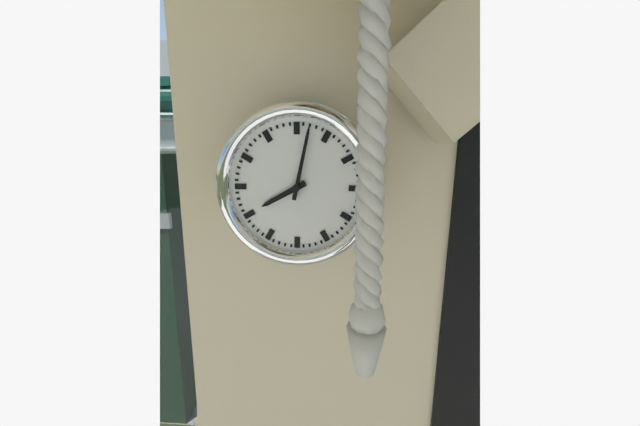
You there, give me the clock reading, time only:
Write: 8:02
